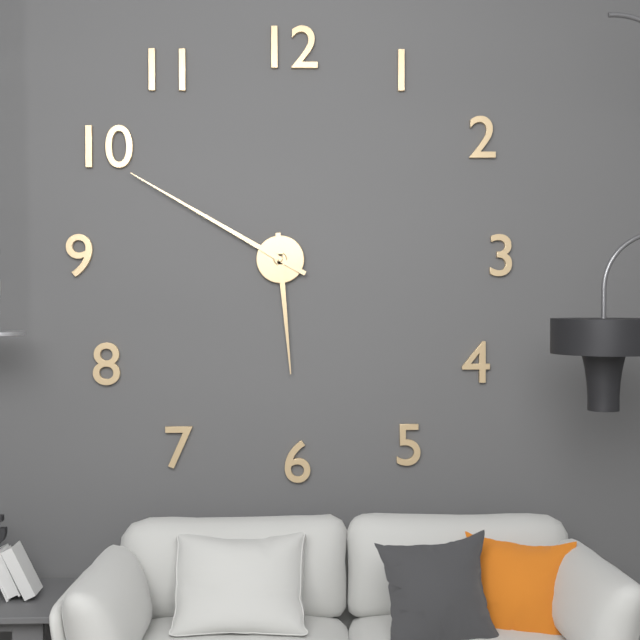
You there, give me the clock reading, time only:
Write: 5:50
